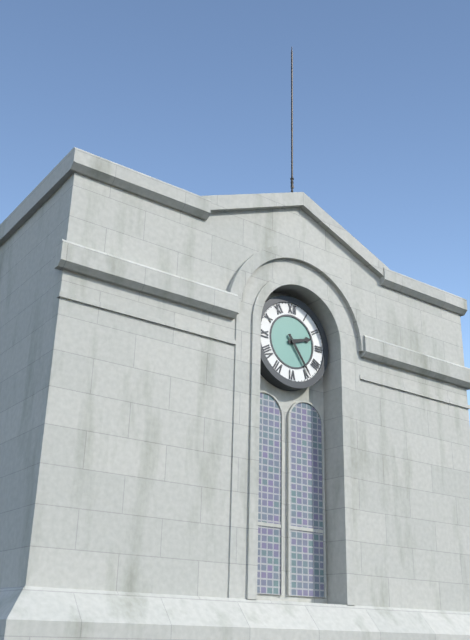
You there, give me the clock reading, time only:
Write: 2:24
